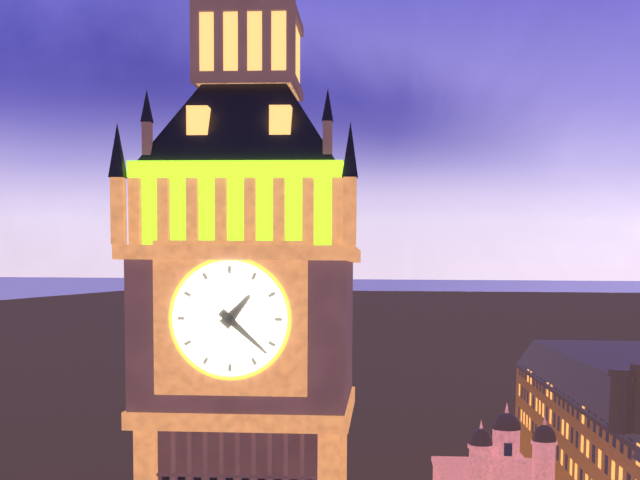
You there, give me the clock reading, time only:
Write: 1:22
